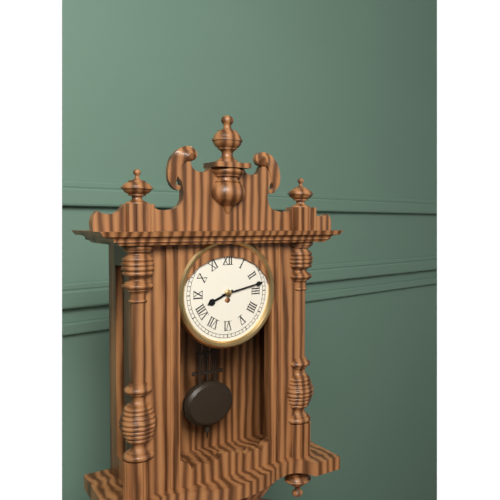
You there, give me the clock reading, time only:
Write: 8:13
